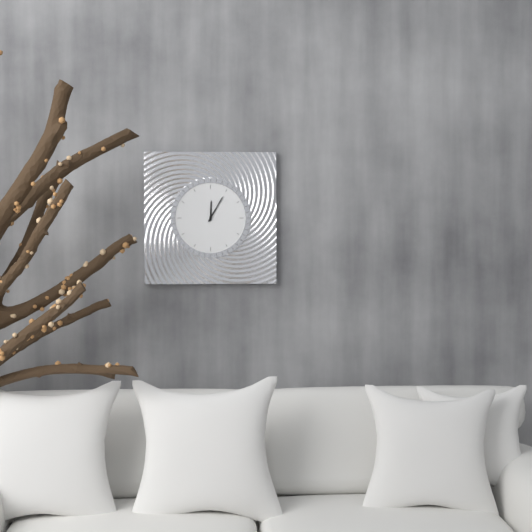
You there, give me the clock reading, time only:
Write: 12:05
